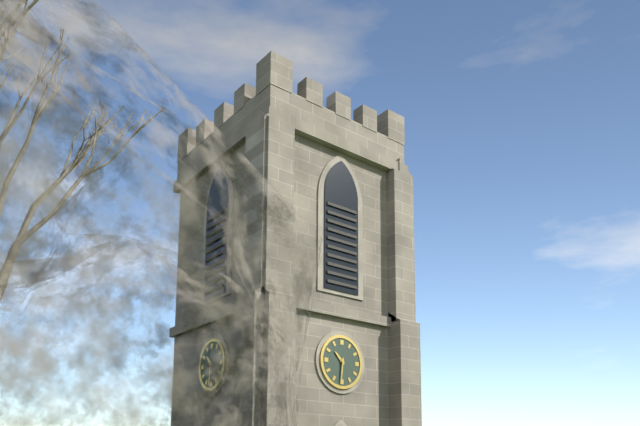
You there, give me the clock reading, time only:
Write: 10:31
